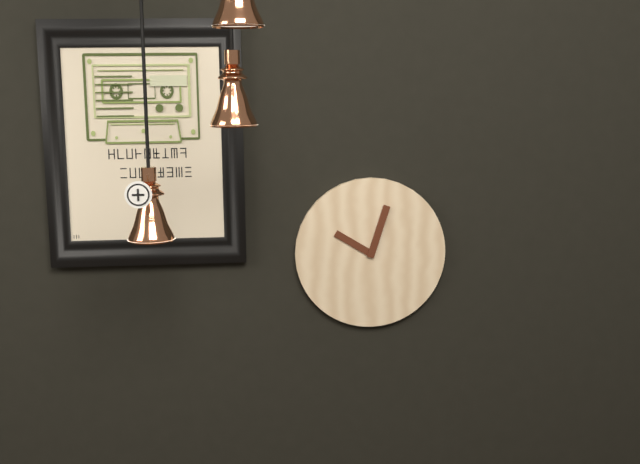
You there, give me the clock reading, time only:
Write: 10:03
